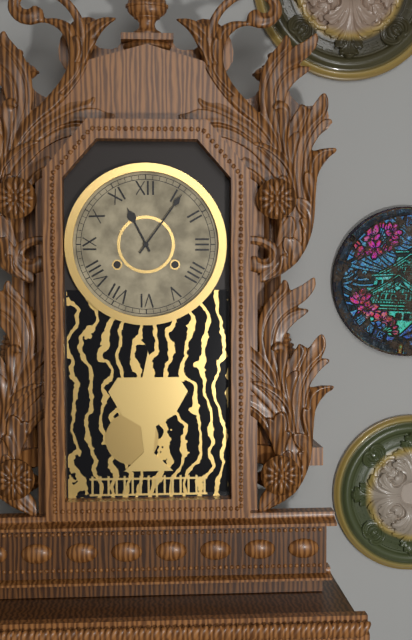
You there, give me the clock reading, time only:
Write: 11:06
